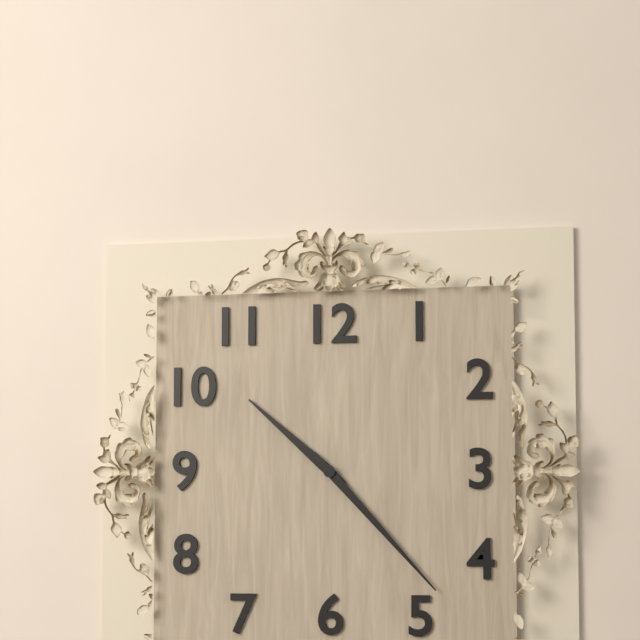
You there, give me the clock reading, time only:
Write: 10:23
